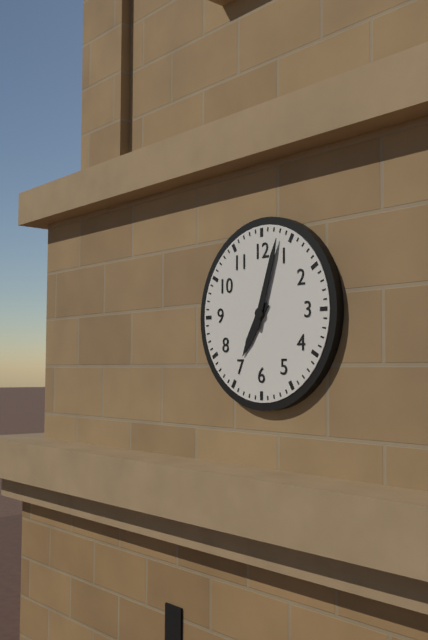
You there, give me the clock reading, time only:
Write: 7:03
